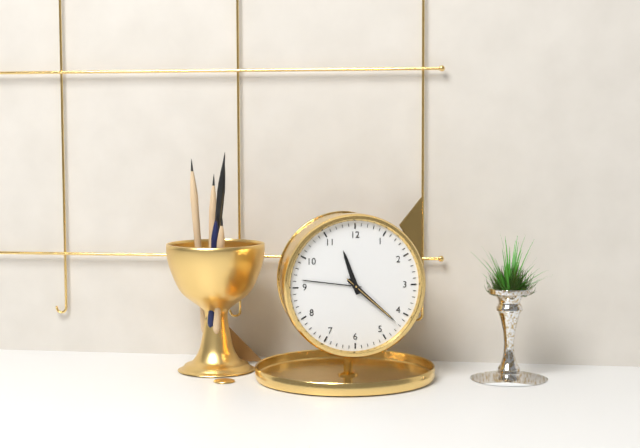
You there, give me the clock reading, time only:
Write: 11:22:22
